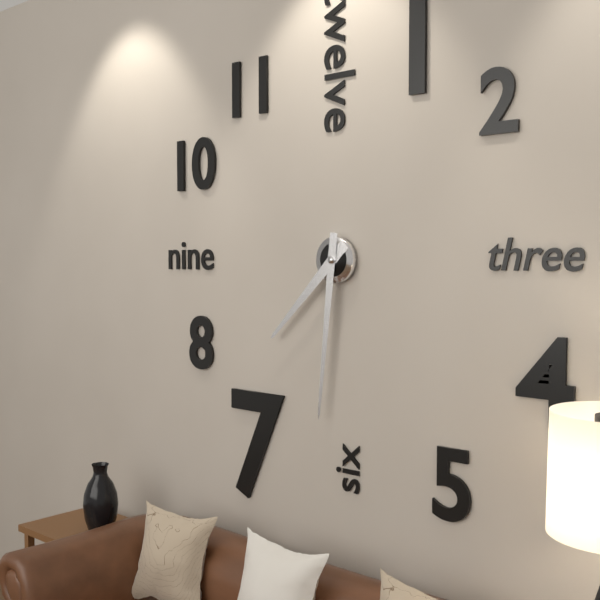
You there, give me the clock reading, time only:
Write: 7:31
